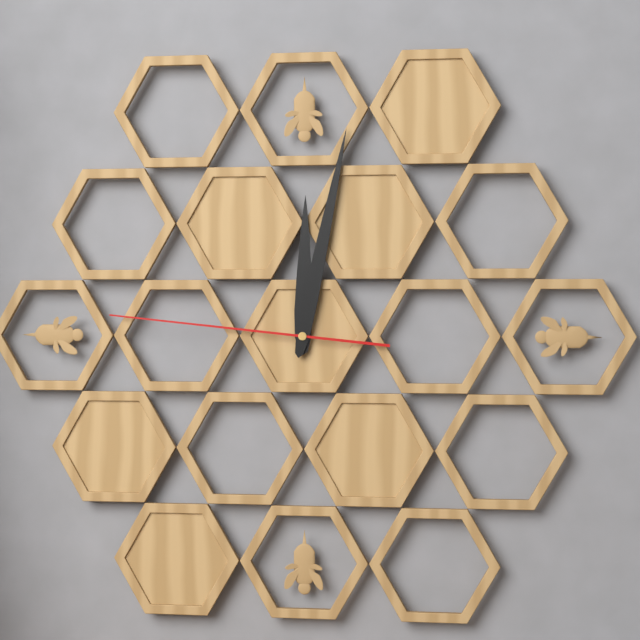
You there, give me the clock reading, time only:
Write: 12:02:46
